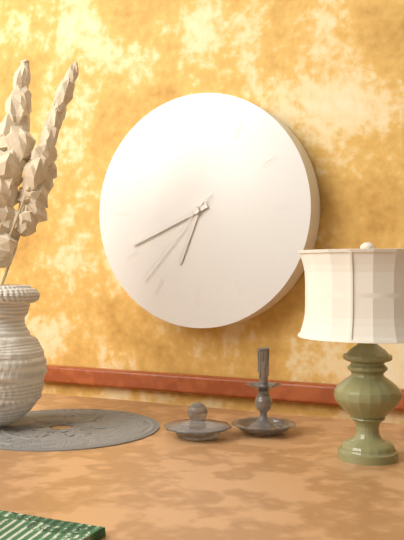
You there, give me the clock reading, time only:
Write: 6:41:37
